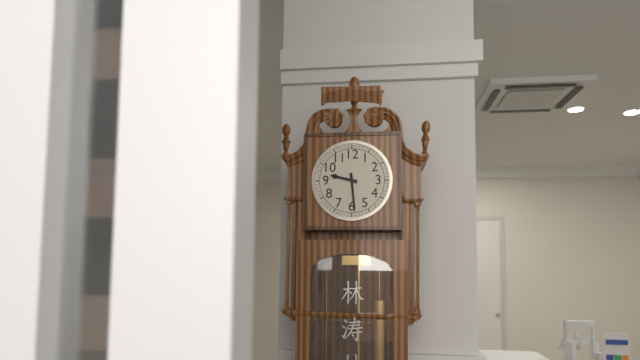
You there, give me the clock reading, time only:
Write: 9:29
